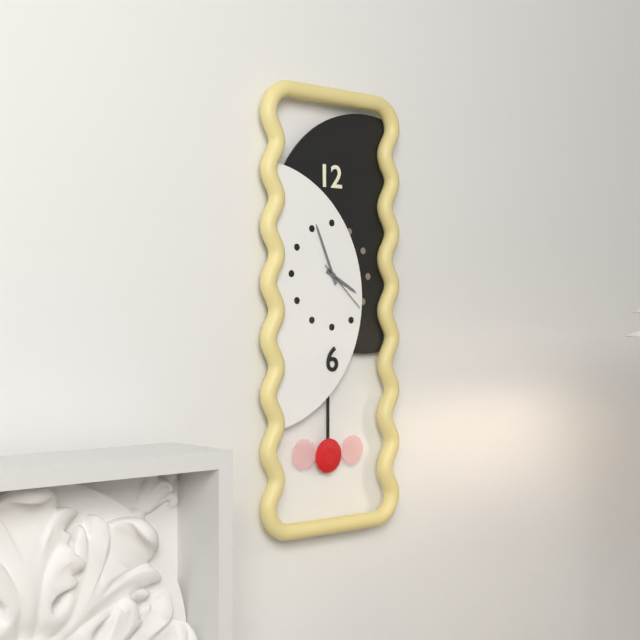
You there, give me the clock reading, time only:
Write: 3:56:22
